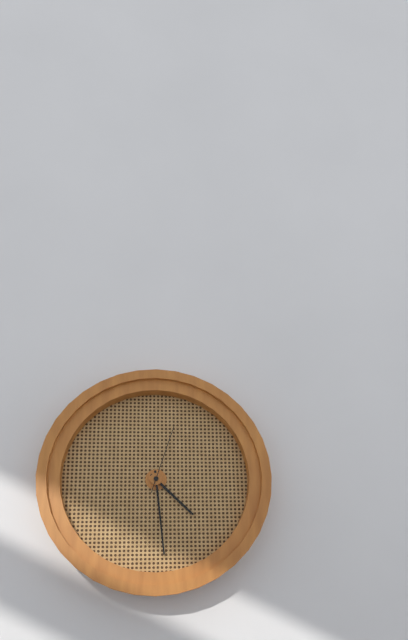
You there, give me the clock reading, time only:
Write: 4:29:03
